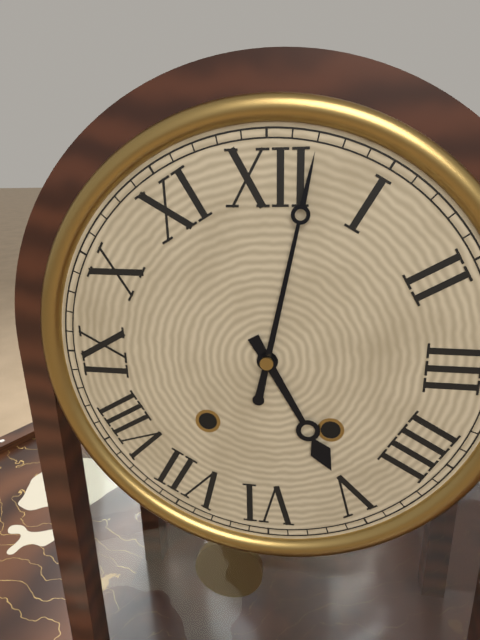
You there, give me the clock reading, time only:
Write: 5:02
